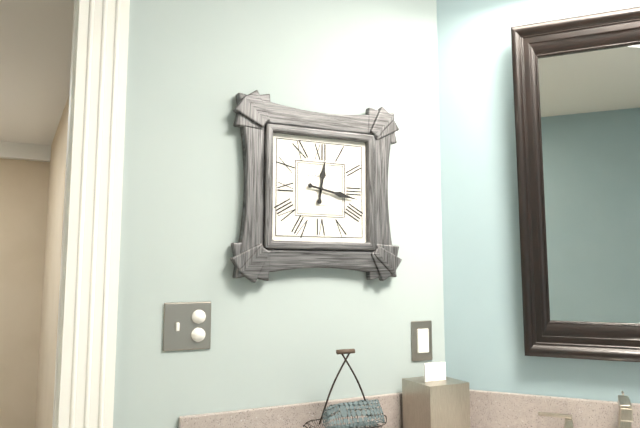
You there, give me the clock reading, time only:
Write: 12:17
